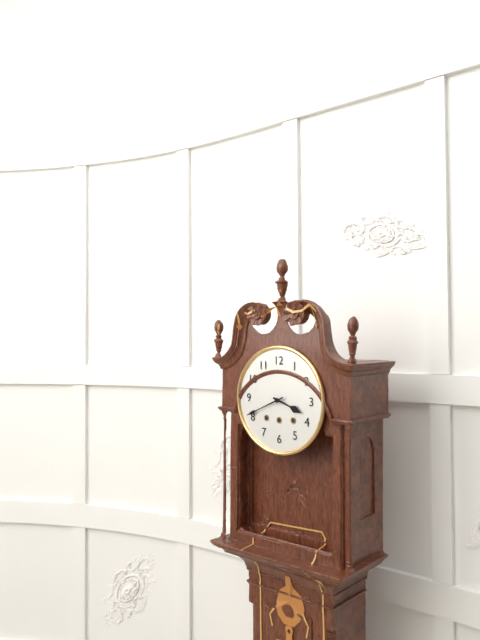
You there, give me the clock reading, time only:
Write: 3:41
